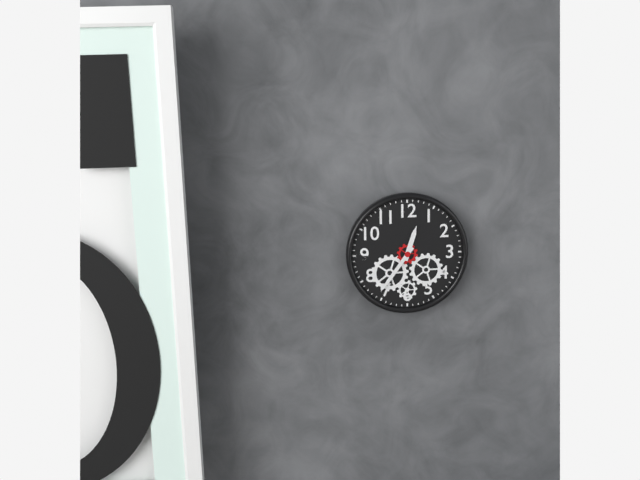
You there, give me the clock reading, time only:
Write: 12:36
